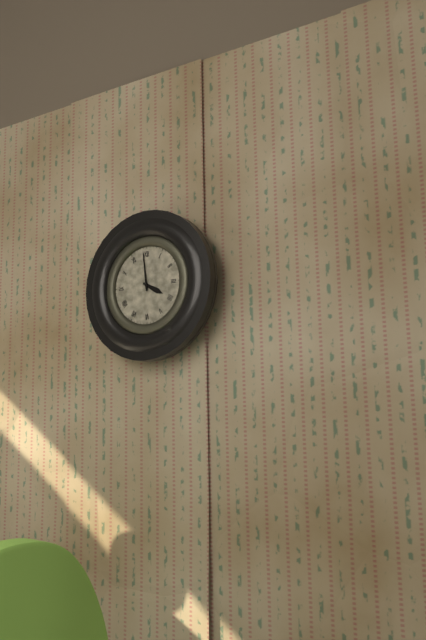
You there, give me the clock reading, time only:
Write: 3:59
